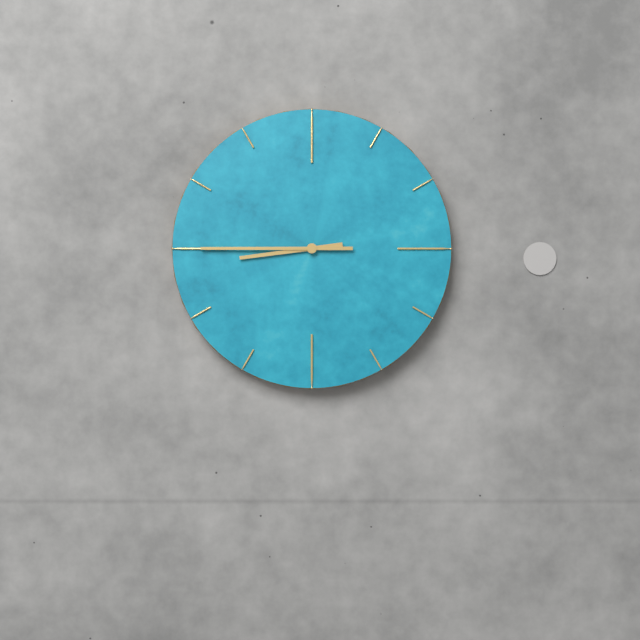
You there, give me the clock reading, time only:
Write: 8:45
